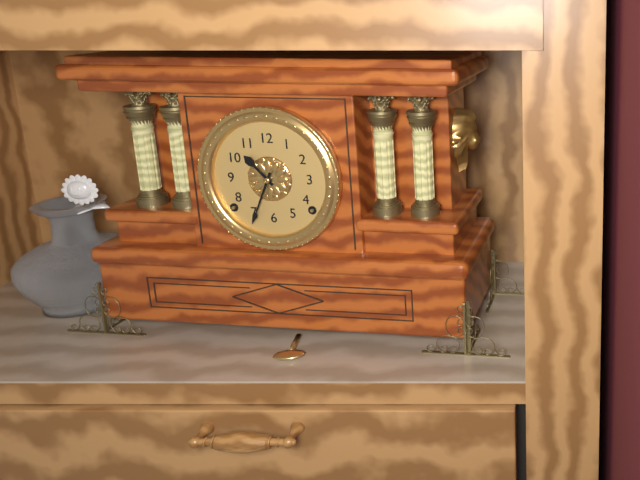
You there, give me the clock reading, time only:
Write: 10:34
